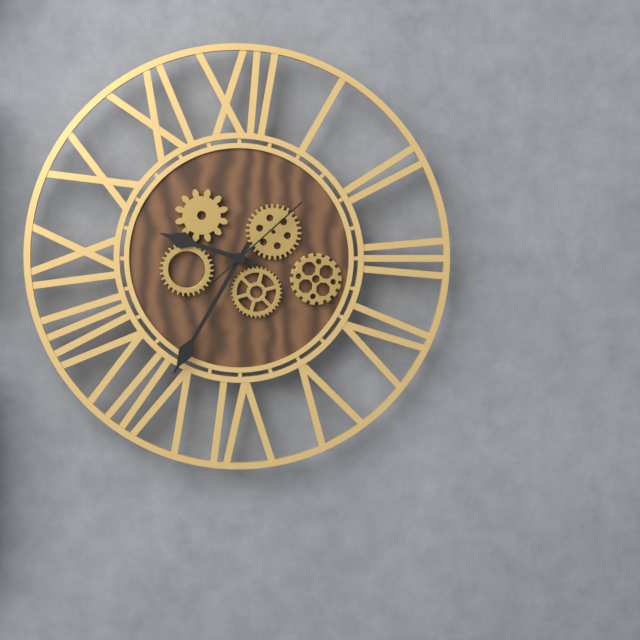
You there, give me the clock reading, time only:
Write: 9:35:08
